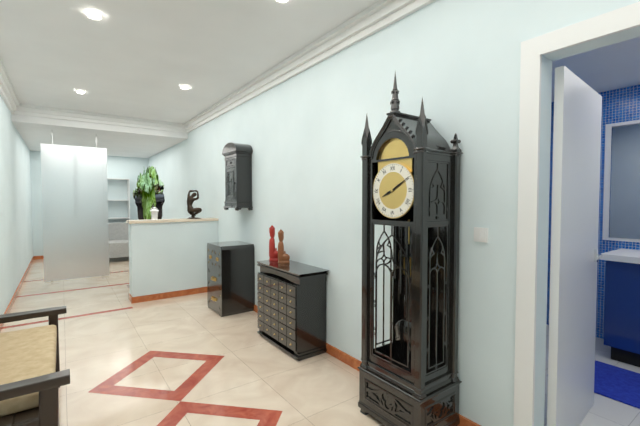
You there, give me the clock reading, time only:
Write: 8:10
